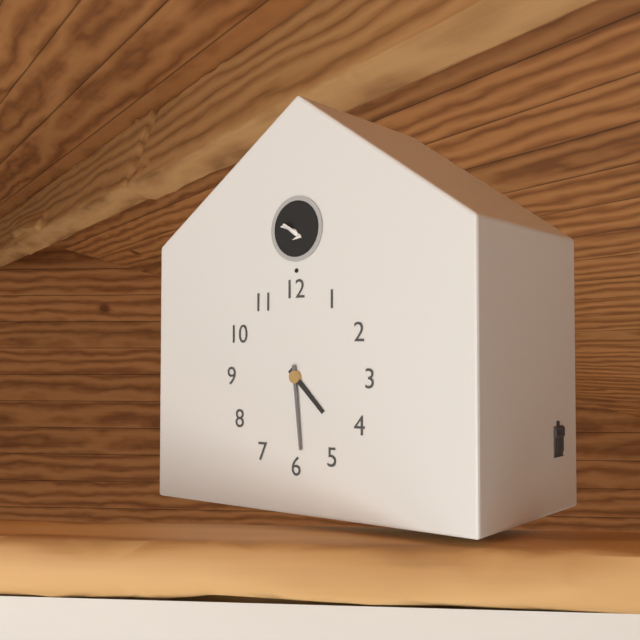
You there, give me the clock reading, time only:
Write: 4:29
